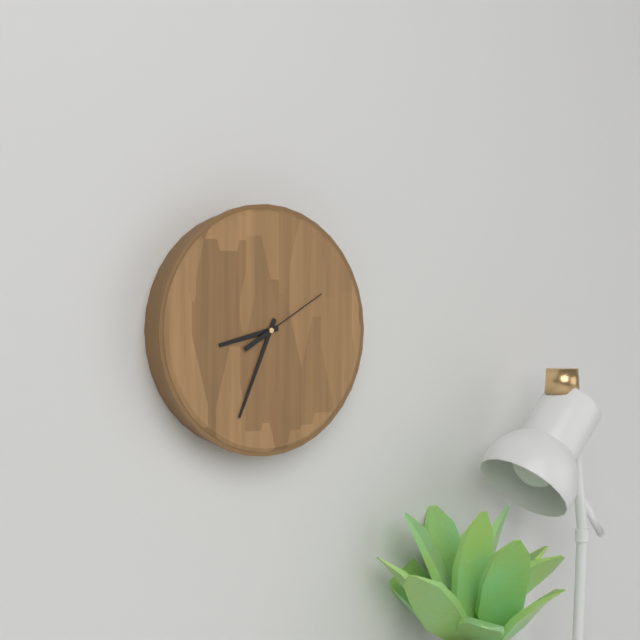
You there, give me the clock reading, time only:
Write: 8:34:10
